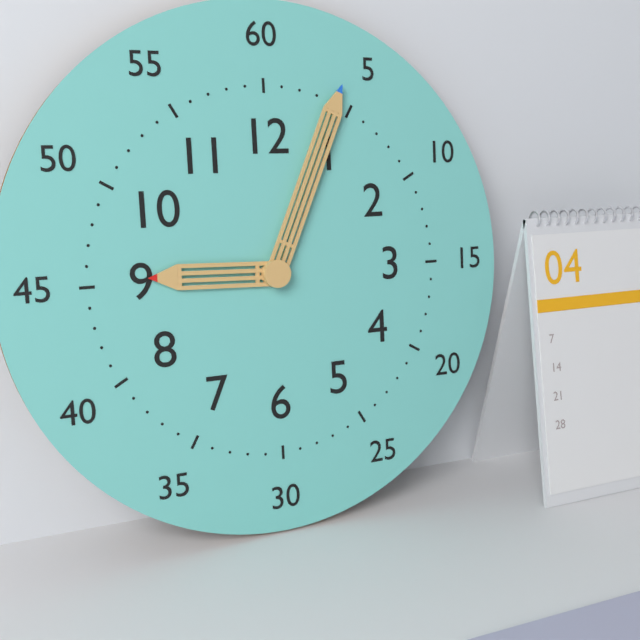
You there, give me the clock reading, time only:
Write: 9:04
